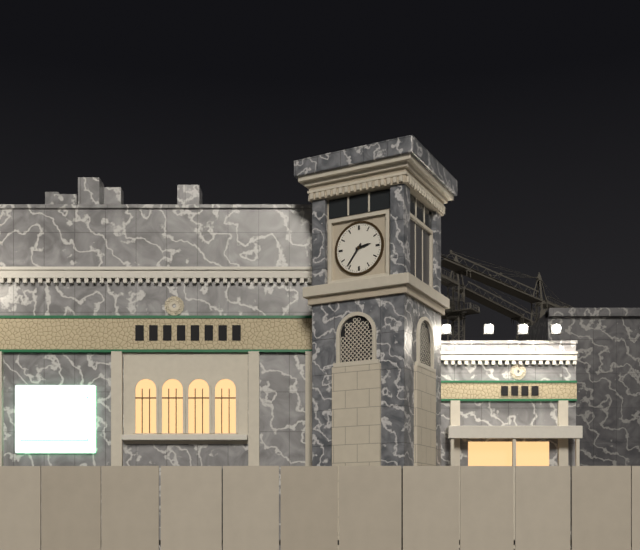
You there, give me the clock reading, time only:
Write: 2:36
